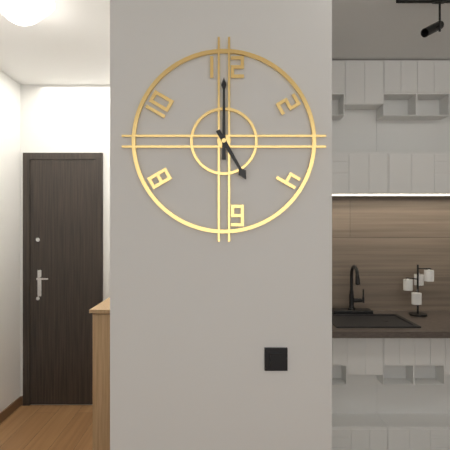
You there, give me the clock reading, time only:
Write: 5:00
